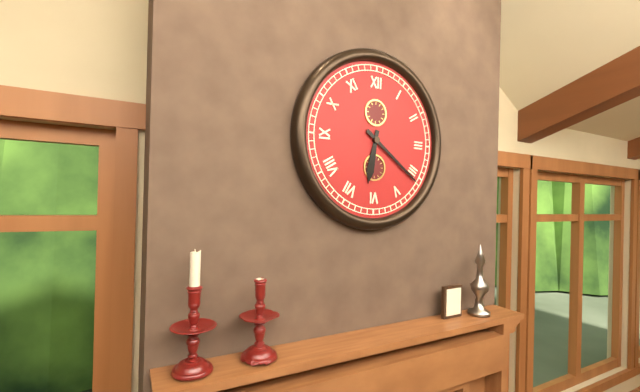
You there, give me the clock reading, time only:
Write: 6:21
